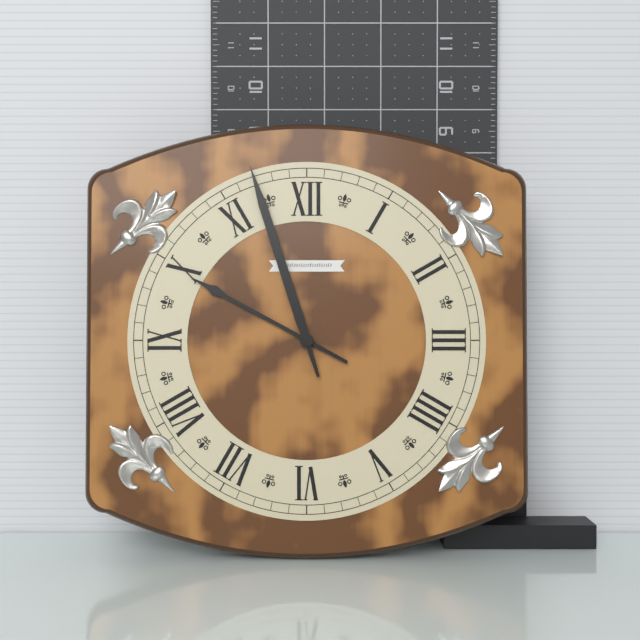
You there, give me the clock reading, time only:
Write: 9:57
